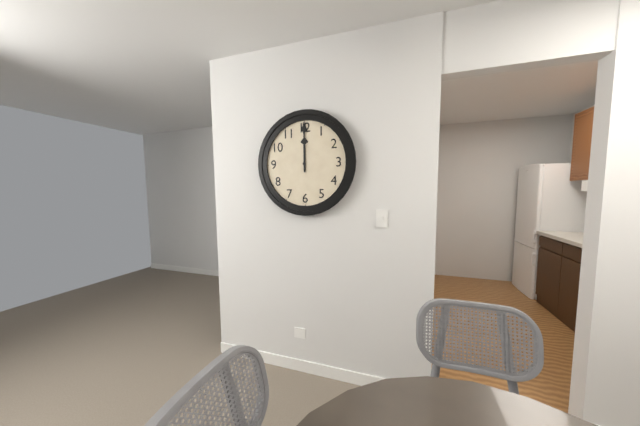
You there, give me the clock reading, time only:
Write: 12:00
